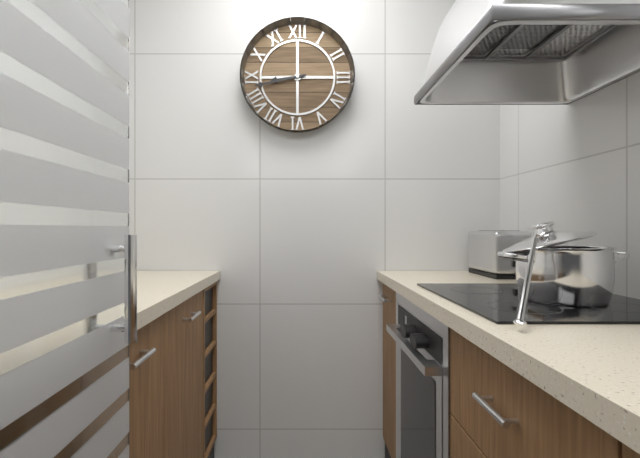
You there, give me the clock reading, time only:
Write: 8:43
